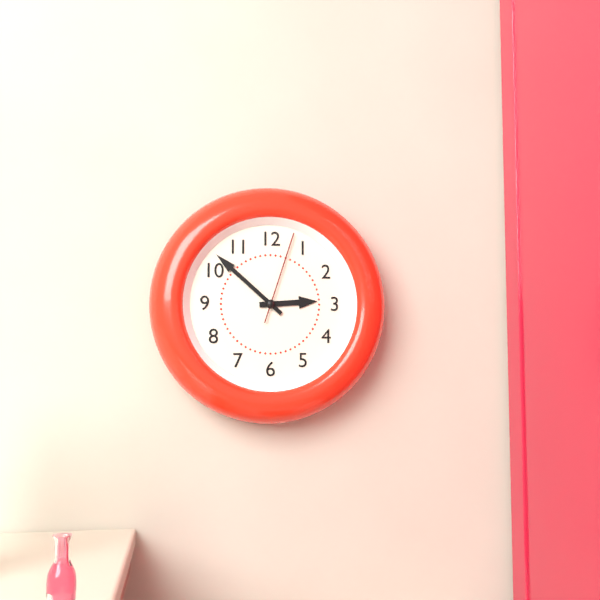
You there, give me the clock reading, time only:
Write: 2:52:03
